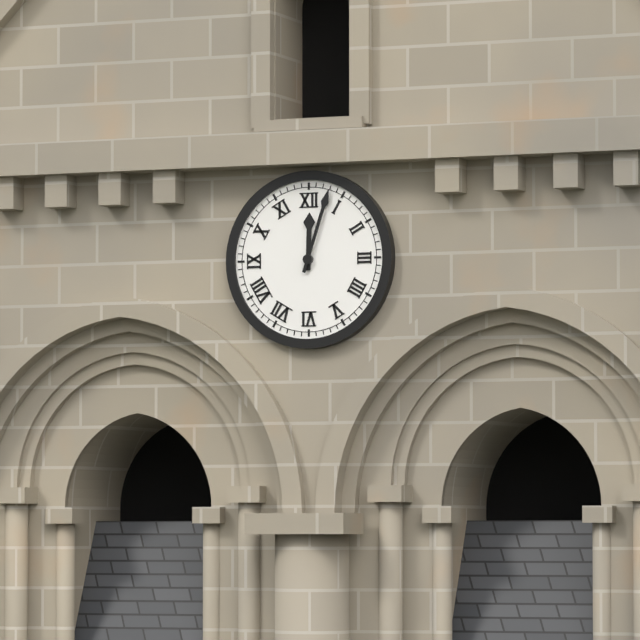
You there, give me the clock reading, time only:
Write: 12:03
